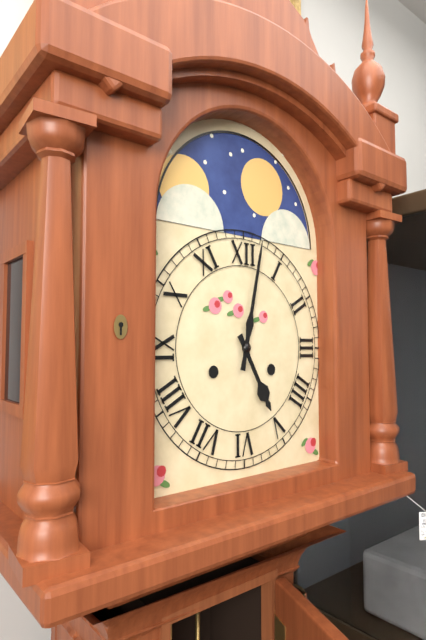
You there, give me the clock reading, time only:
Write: 5:02
